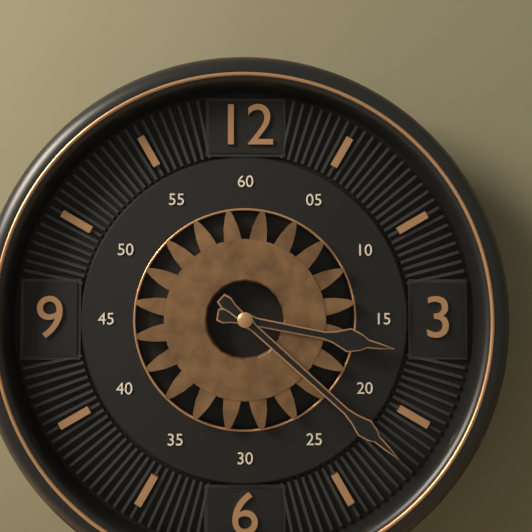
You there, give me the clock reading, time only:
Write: 3:22
